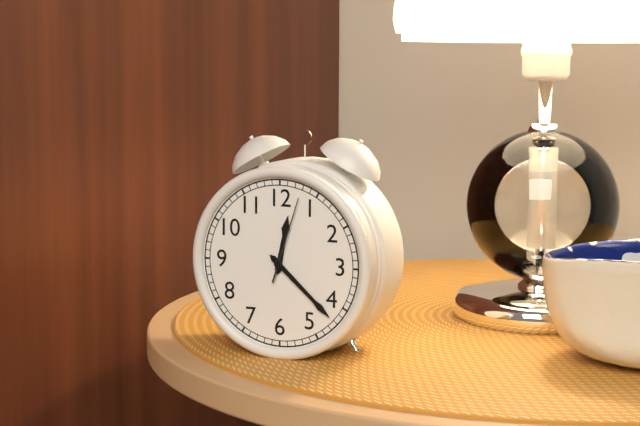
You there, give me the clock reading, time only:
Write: 12:22:03
